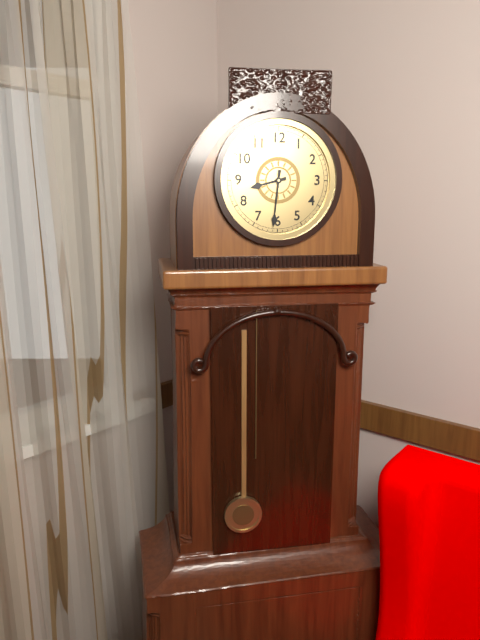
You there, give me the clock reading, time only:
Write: 8:31
